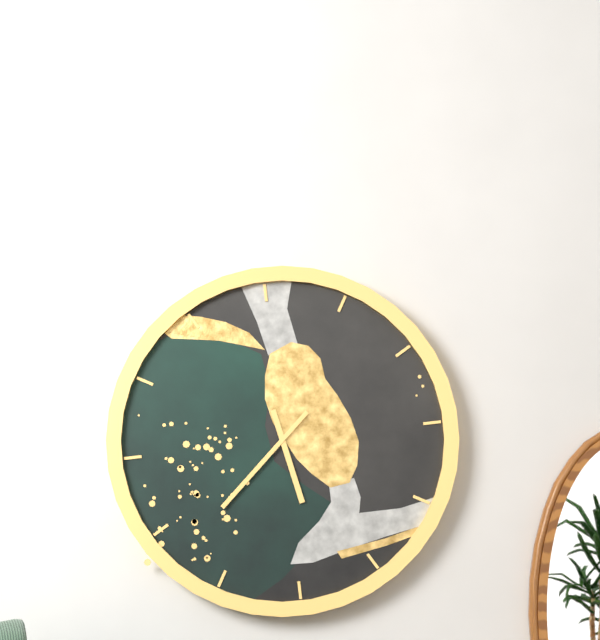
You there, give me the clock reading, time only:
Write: 5:38
